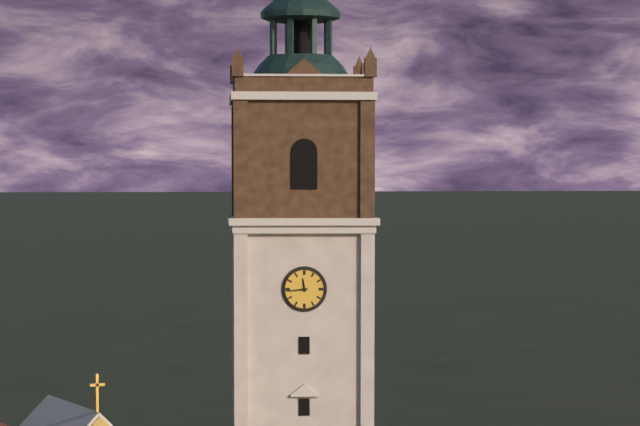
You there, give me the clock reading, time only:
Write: 11:44
